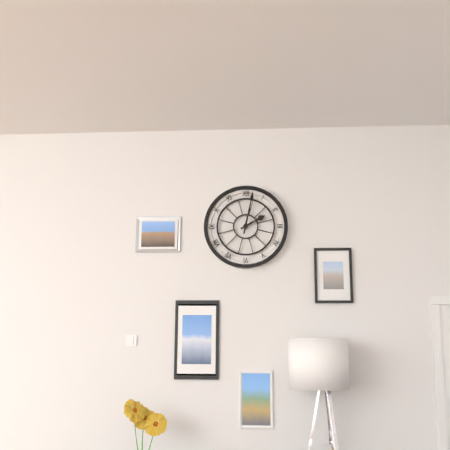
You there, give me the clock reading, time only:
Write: 2:02
